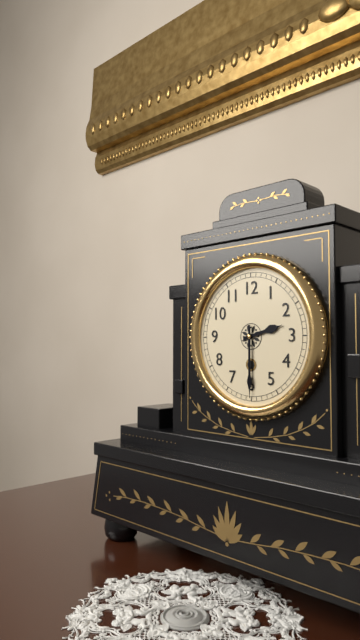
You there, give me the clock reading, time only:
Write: 2:30
